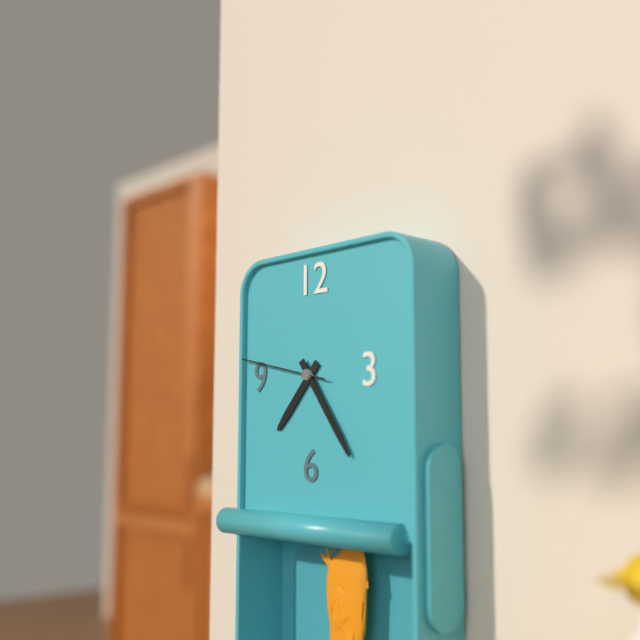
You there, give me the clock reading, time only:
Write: 7:24:47
